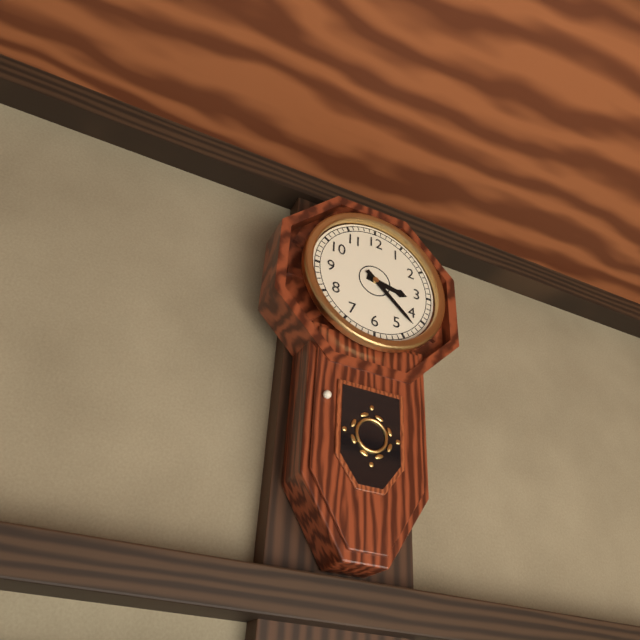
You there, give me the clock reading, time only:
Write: 3:22
